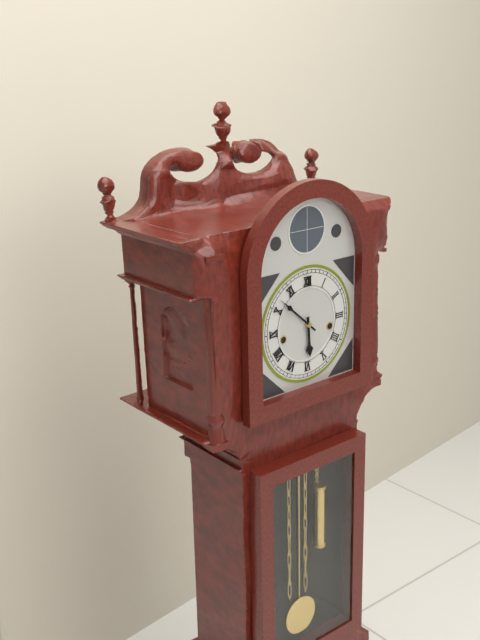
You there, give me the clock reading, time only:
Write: 5:52
